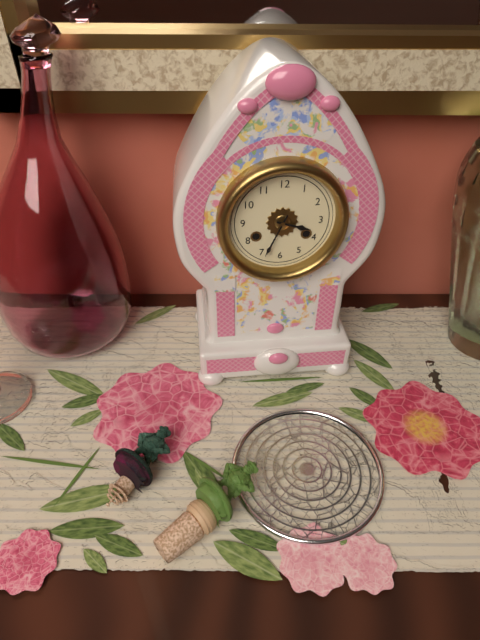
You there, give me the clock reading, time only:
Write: 3:34
